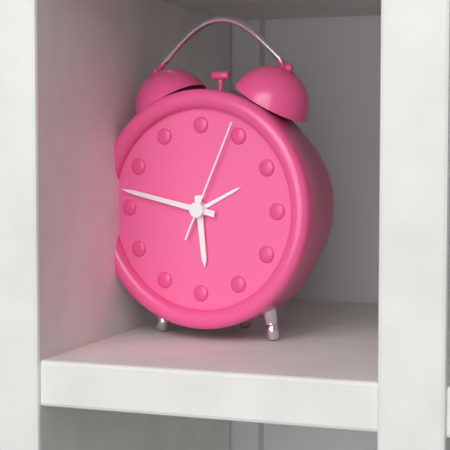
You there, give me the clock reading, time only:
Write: 5:47:04
